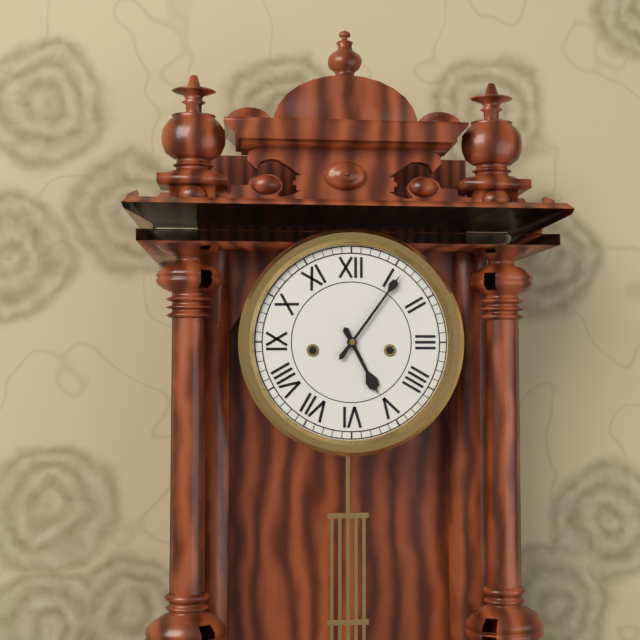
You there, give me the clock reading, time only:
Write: 5:06
